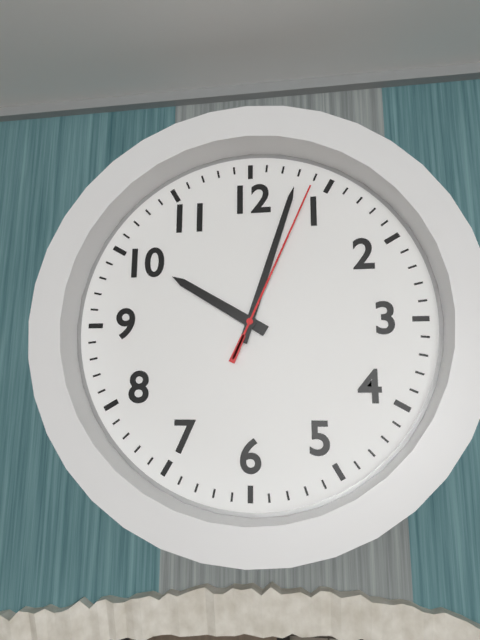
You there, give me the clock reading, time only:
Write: 10:03:04
